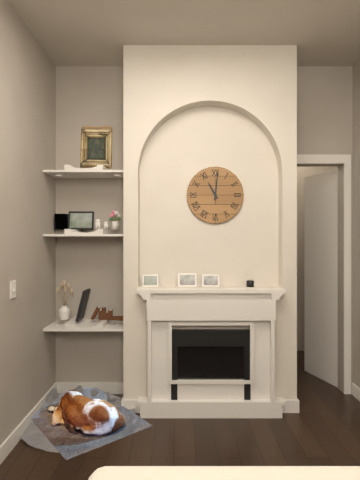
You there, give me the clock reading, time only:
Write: 11:01
